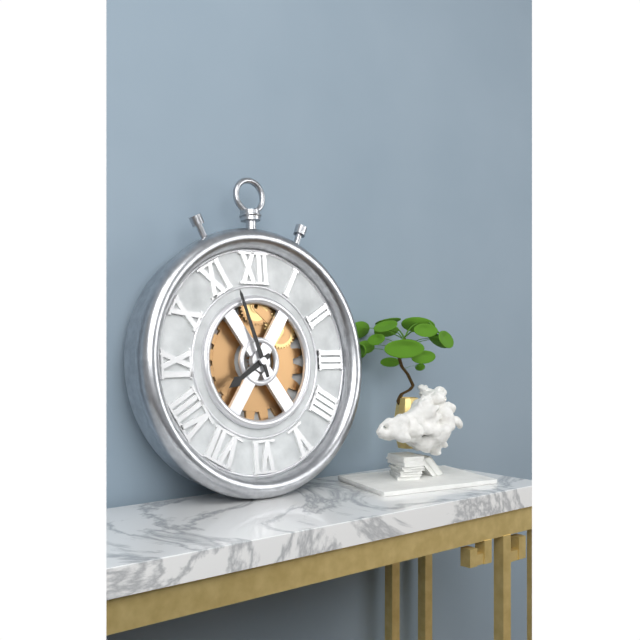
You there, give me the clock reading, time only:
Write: 7:57
